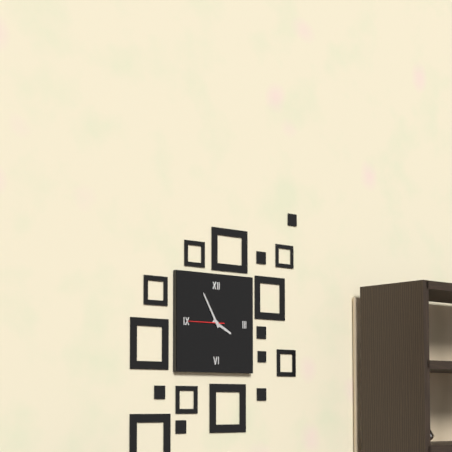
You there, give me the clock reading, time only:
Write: 3:55
